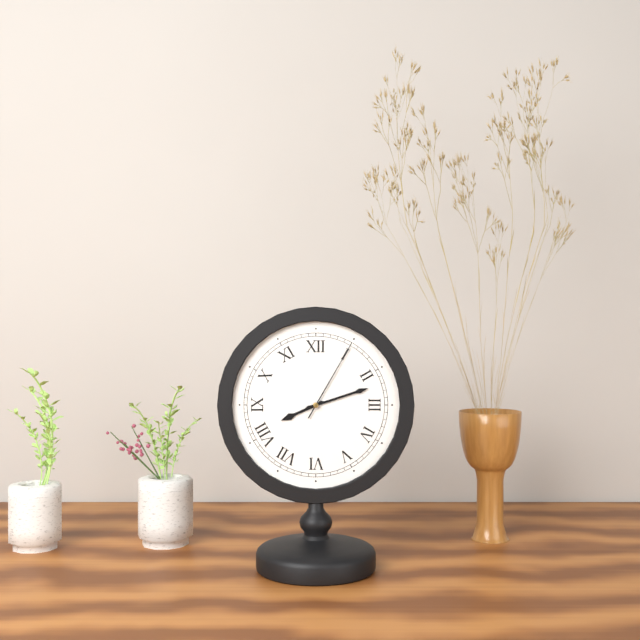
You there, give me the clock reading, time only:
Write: 8:12:05
